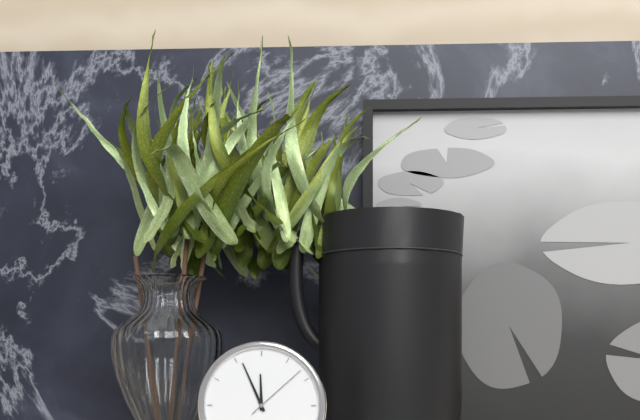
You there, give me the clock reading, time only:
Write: 11:56:08
